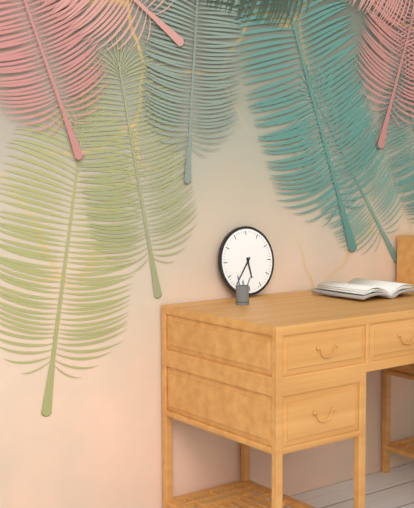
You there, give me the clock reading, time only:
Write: 5:36
